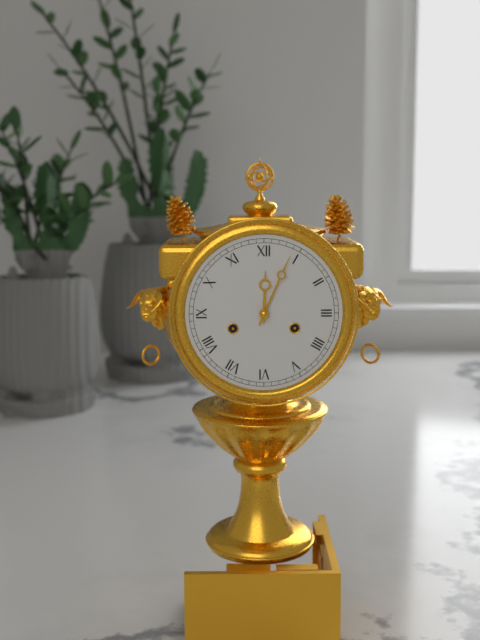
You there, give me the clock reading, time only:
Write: 12:04
